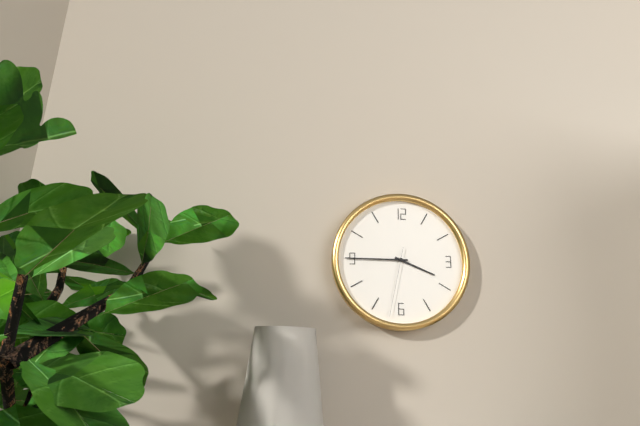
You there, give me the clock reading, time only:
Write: 3:45:32
